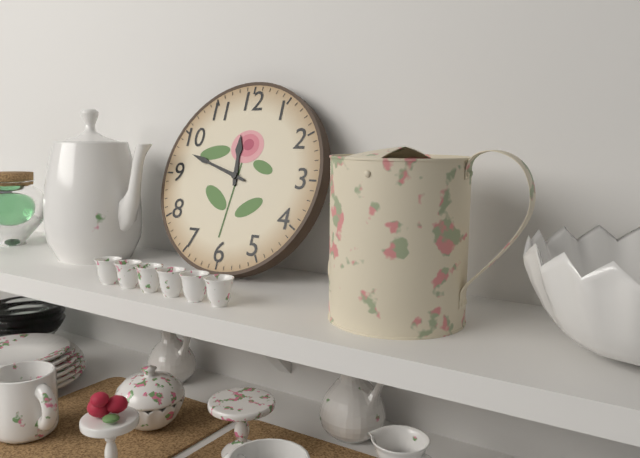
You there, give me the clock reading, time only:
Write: 11:48
